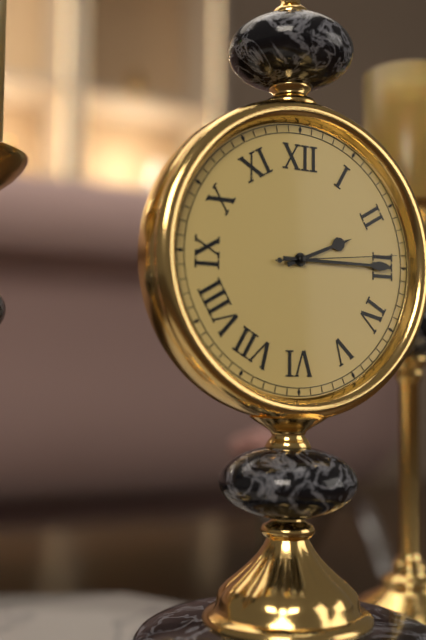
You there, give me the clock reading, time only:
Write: 2:15:14
